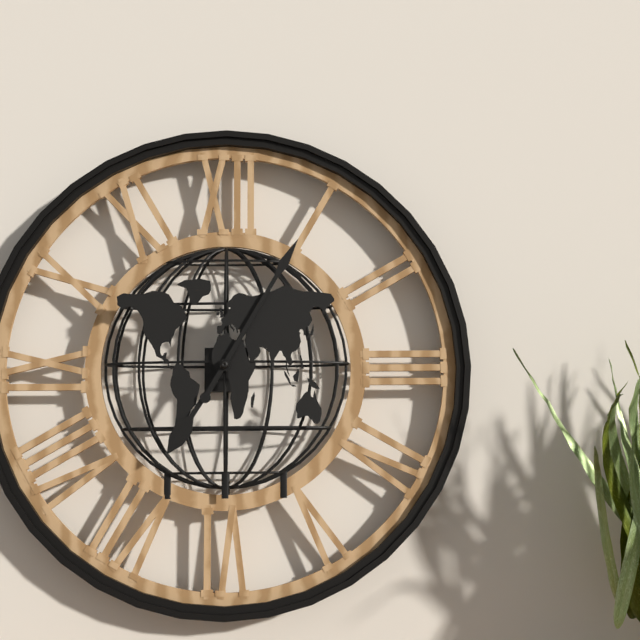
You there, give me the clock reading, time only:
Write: 7:05
